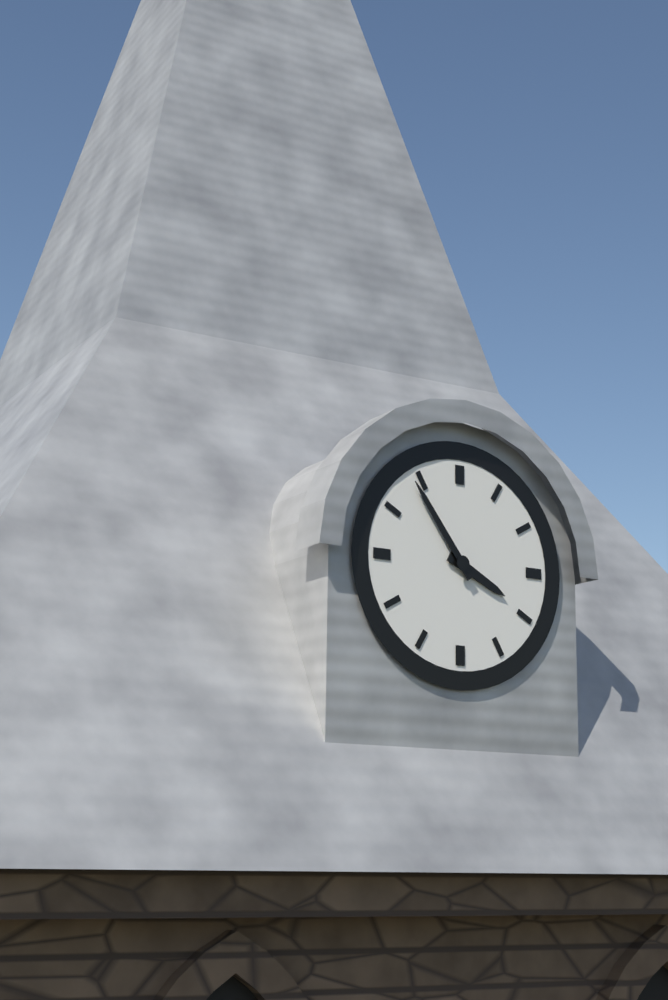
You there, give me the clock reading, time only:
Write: 3:54
